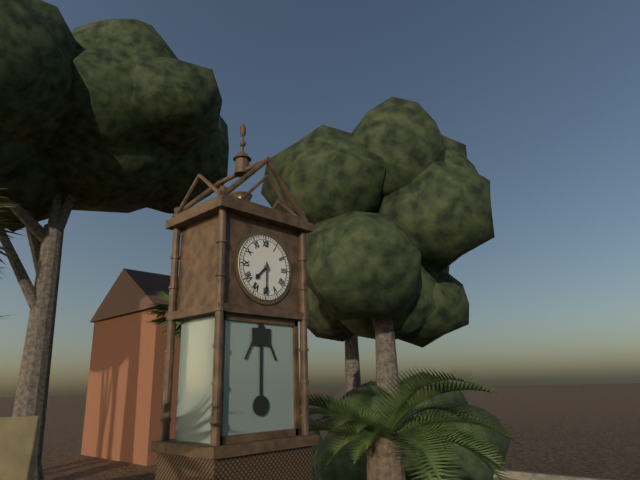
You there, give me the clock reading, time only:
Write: 7:30
